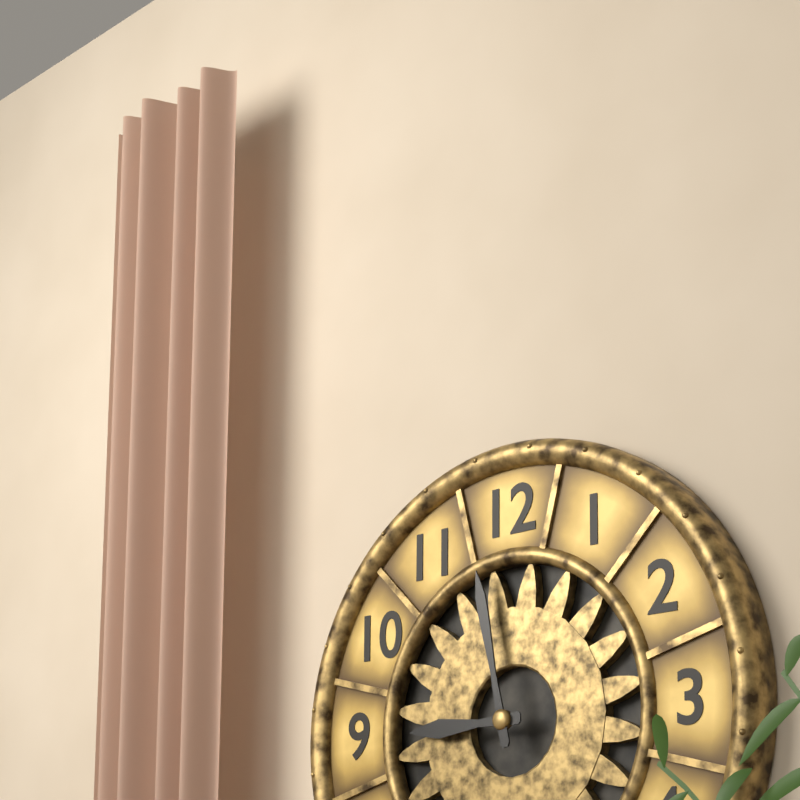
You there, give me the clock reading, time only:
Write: 8:58
